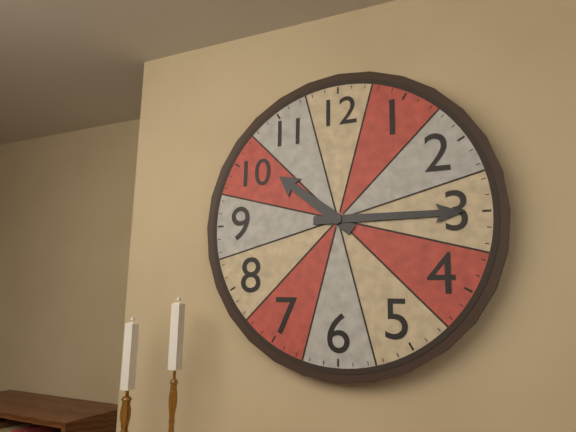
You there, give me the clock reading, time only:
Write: 10:15
